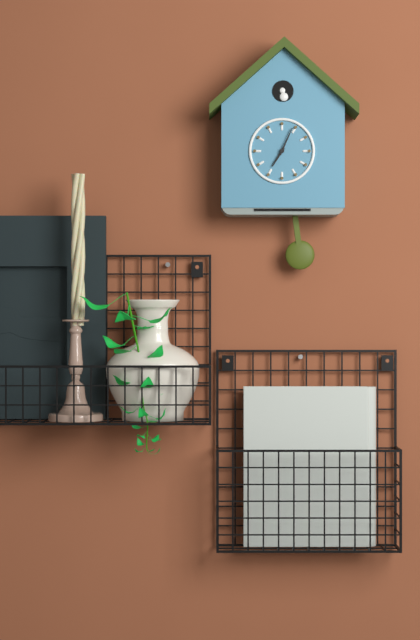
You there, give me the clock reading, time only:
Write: 7:04
